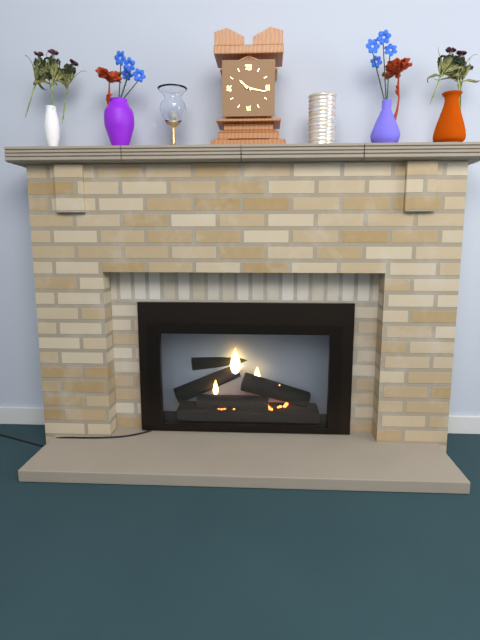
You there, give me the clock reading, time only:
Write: 10:17
